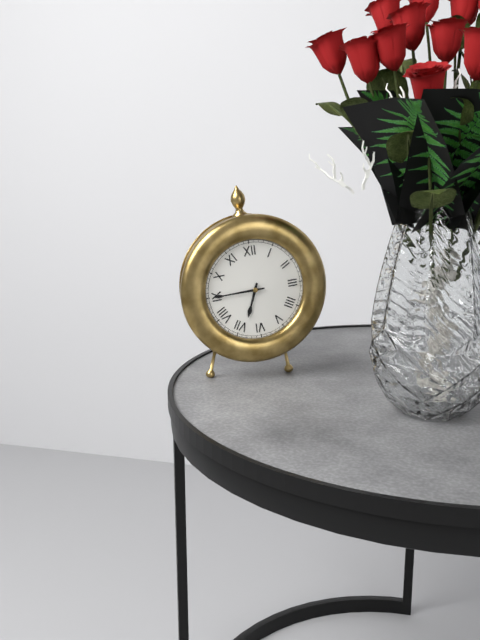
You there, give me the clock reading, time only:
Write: 6:45
